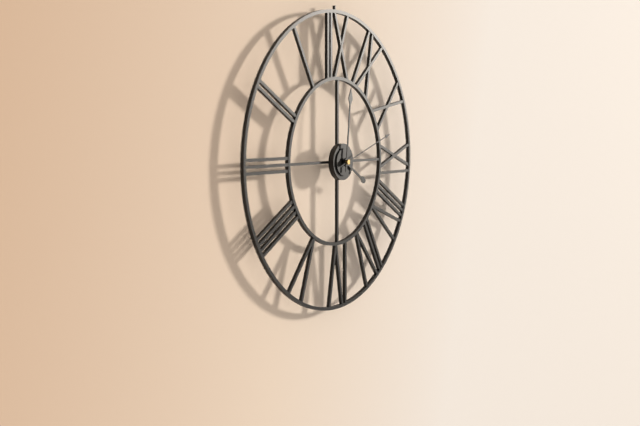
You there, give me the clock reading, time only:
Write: 4:01:12
